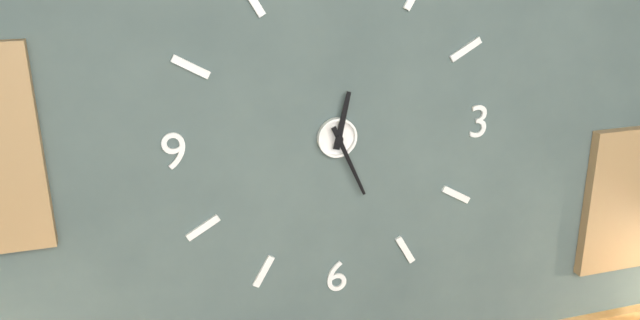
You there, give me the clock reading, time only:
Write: 12:26
